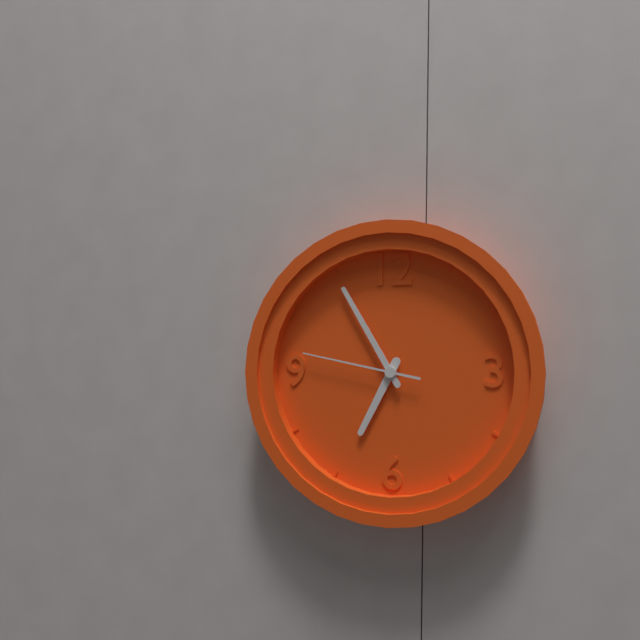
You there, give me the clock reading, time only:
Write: 6:55:47
